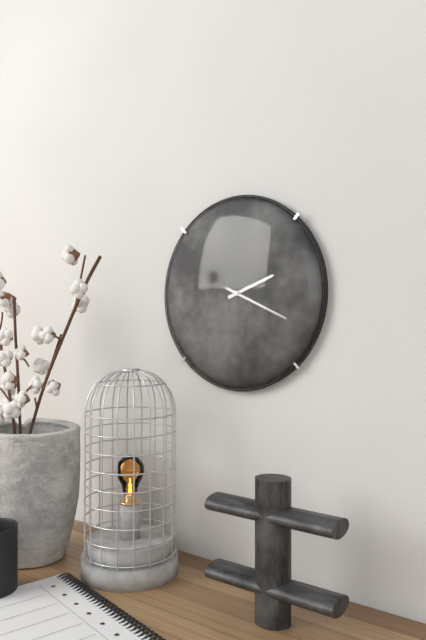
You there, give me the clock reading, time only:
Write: 2:19
